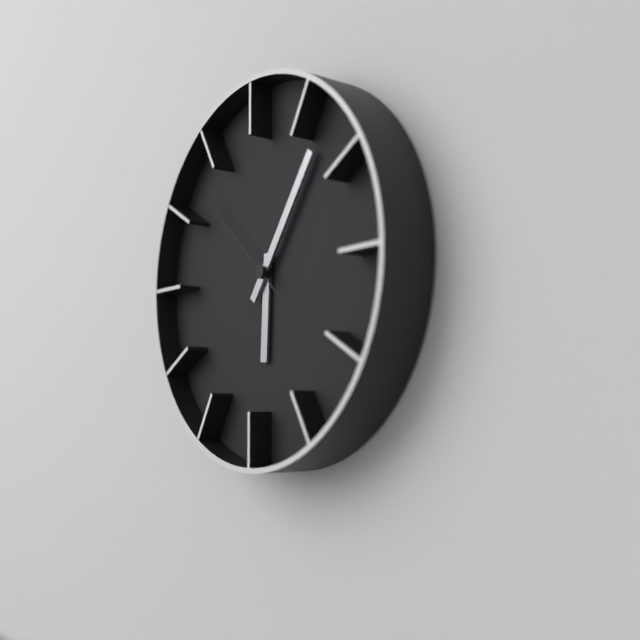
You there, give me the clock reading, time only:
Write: 6:06:52
